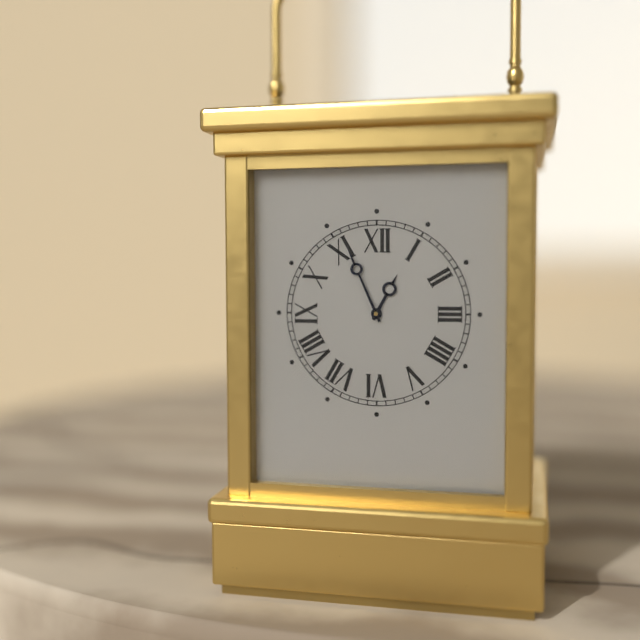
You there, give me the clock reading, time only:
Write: 12:56
